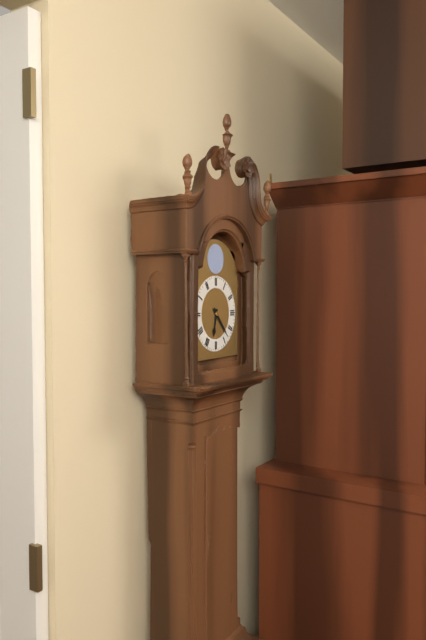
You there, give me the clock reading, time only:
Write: 6:23
